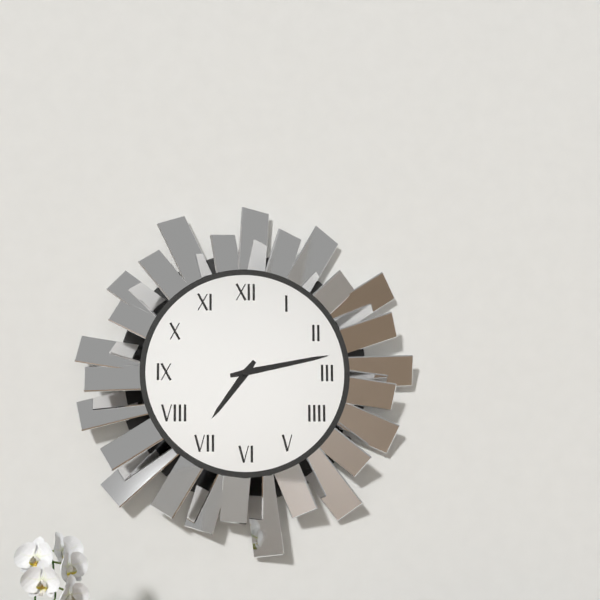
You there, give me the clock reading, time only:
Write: 7:13
